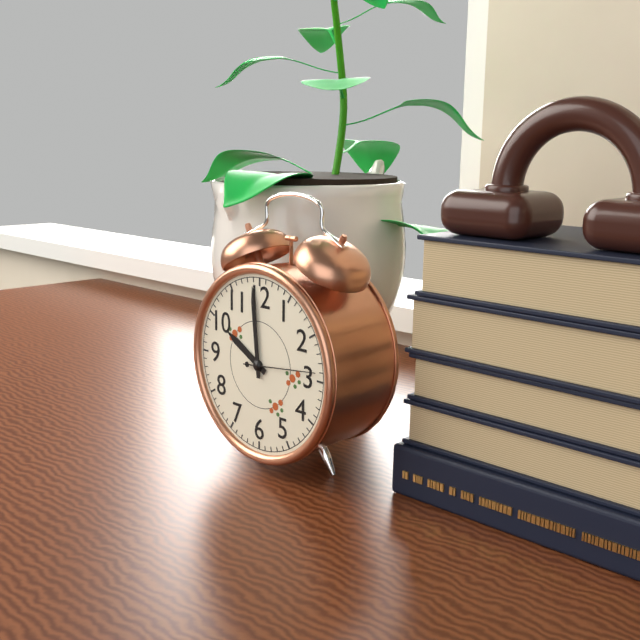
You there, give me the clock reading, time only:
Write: 9:59:14
